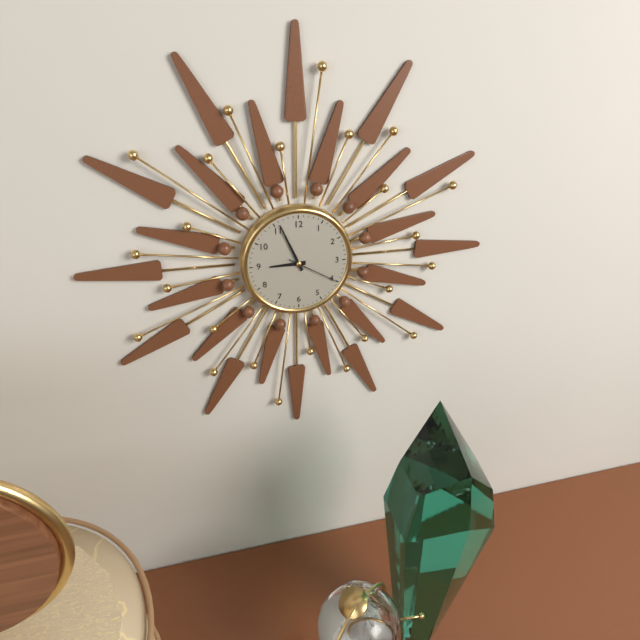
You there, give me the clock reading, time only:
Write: 8:56:20
